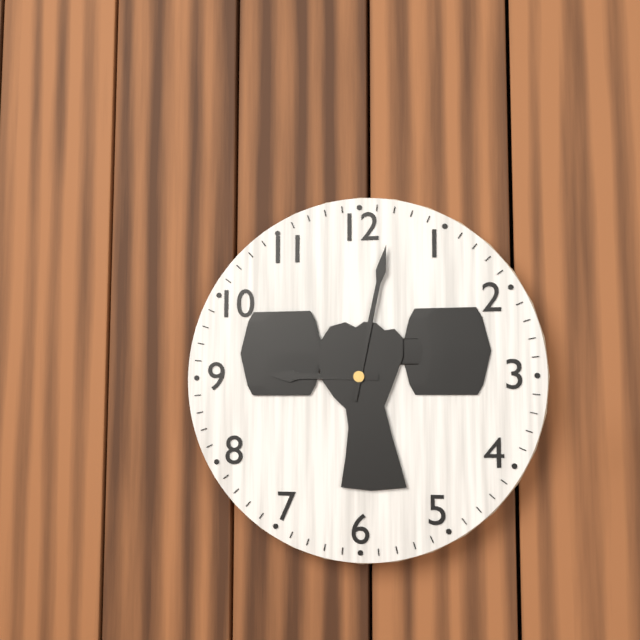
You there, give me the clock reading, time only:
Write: 9:02
